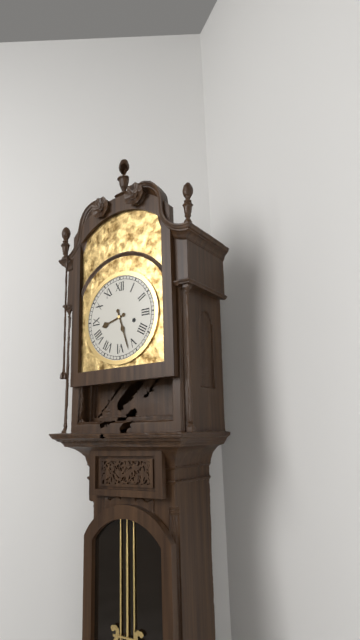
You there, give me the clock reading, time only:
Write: 8:27
